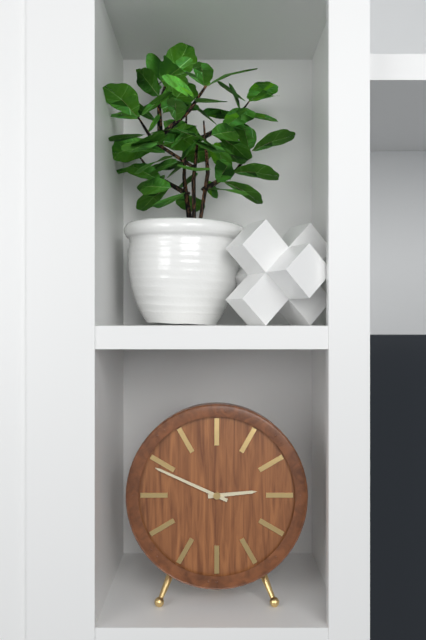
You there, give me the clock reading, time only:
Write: 2:49
